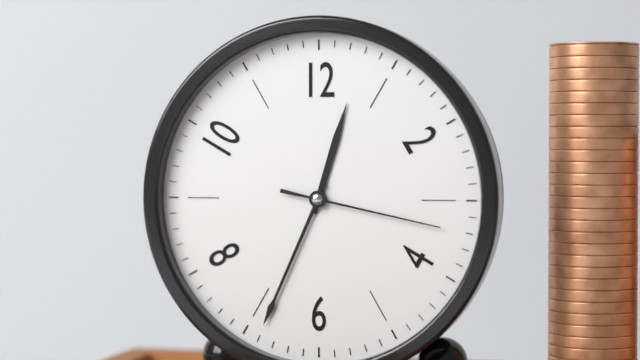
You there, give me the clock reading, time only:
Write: 12:34:17
